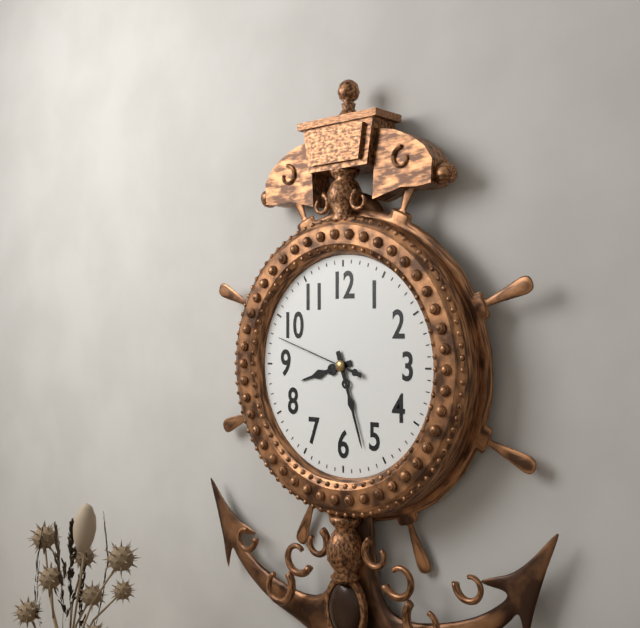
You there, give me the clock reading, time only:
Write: 8:27:48
